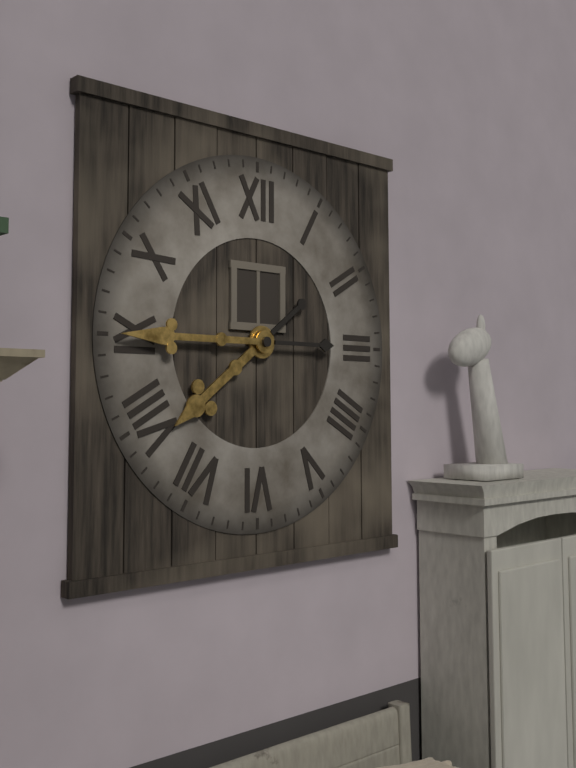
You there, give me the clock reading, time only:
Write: 7:45
